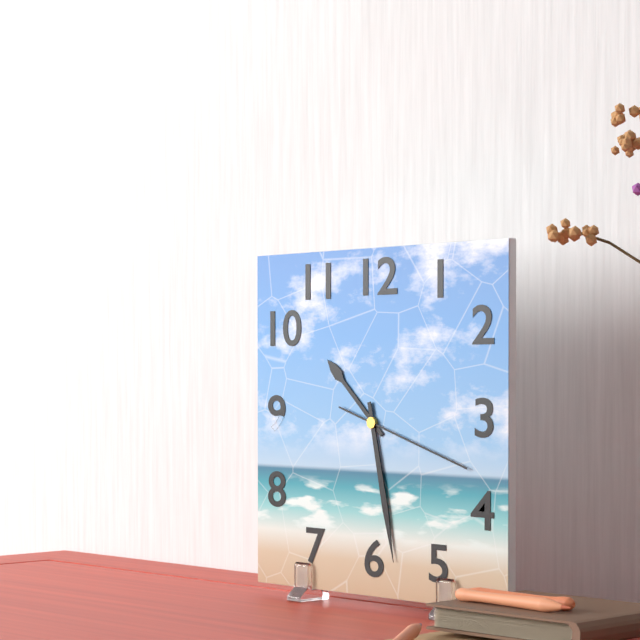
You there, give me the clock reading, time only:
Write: 10:28:18
